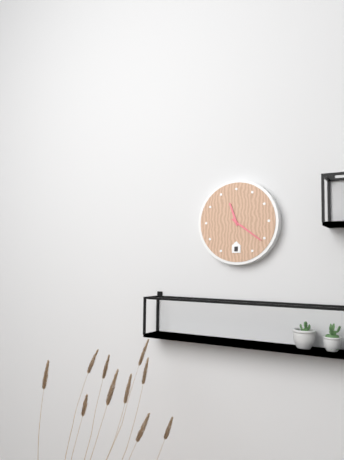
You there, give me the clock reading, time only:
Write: 11:21
